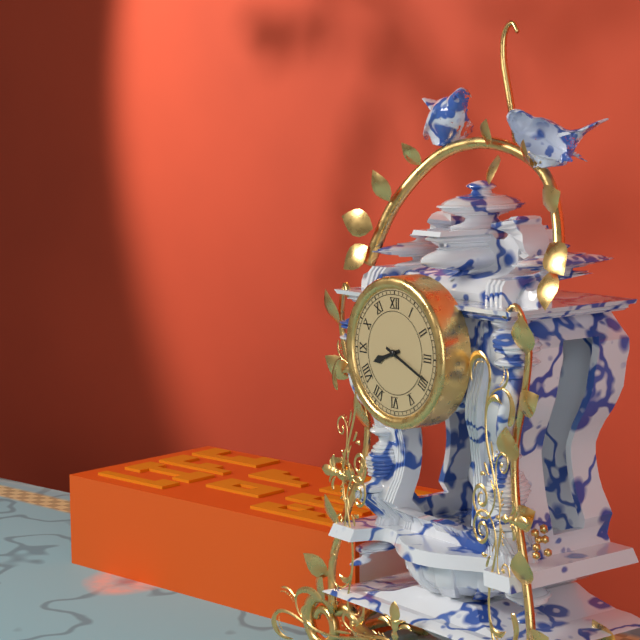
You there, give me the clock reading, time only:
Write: 8:19
